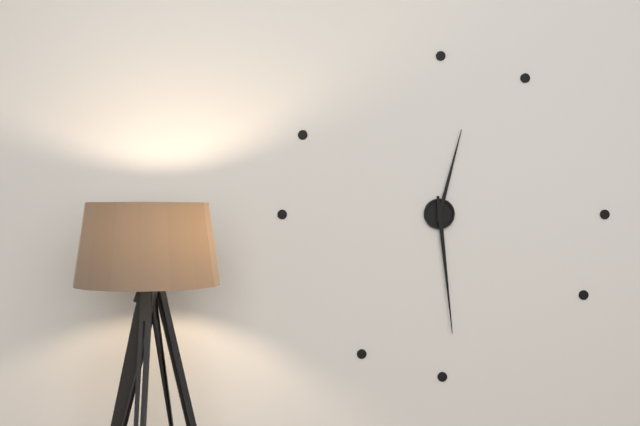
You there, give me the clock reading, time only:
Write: 12:29
